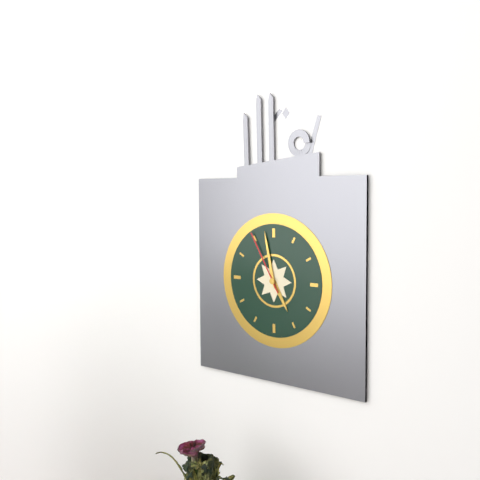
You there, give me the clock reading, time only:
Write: 4:58:55
